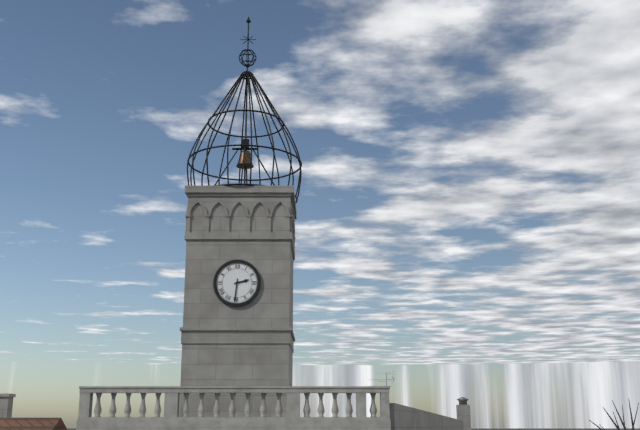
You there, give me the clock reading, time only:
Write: 2:31
